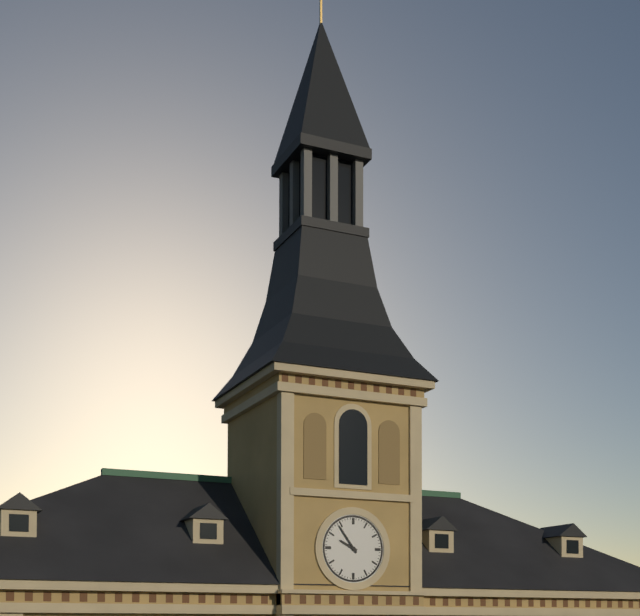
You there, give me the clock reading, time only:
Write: 9:54
